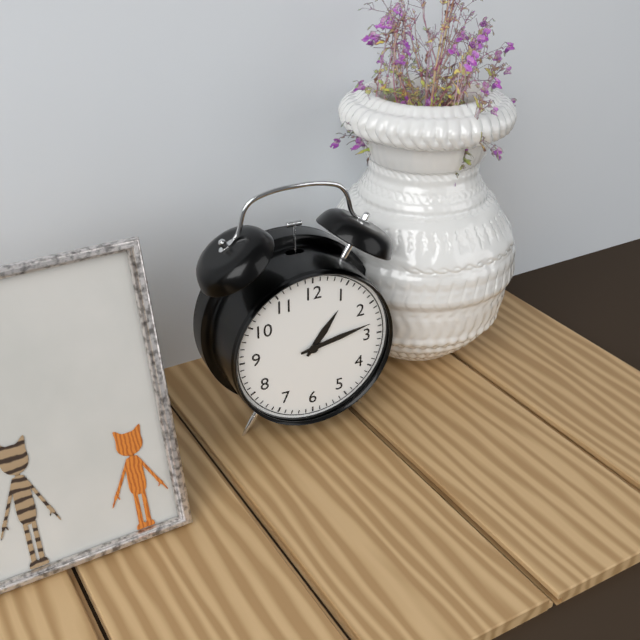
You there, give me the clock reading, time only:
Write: 1:13
